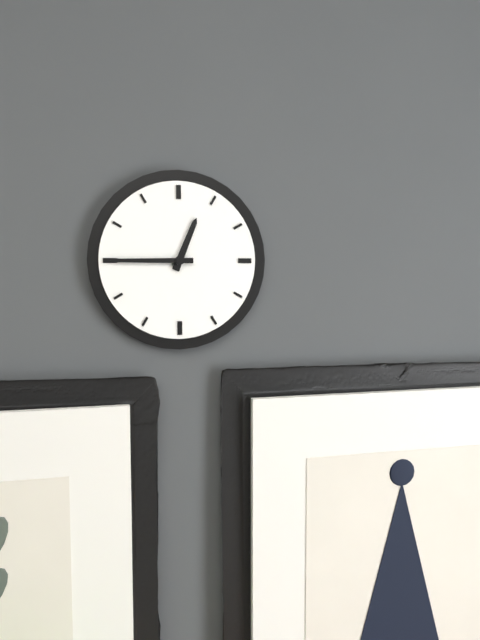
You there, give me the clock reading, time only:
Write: 12:45
